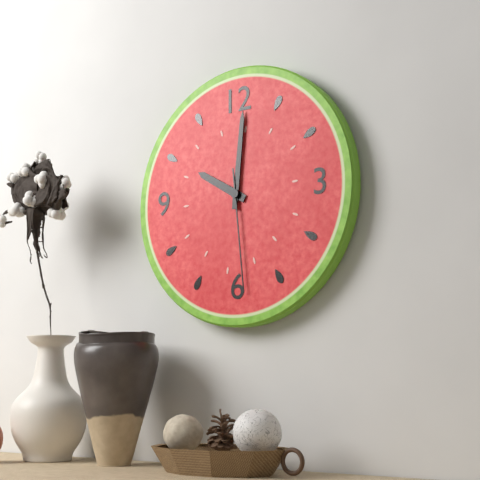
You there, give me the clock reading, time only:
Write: 10:01:29
